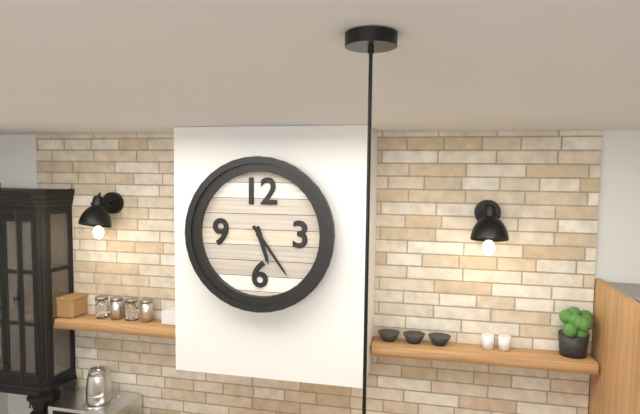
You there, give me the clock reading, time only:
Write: 5:24
